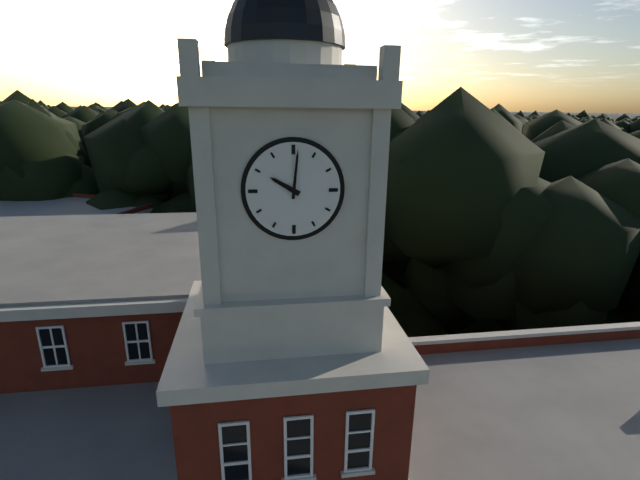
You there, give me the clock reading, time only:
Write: 10:01
